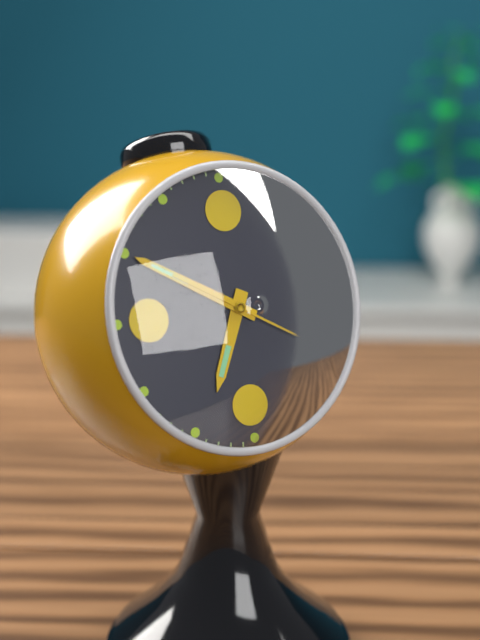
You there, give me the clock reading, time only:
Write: 6:50:20
